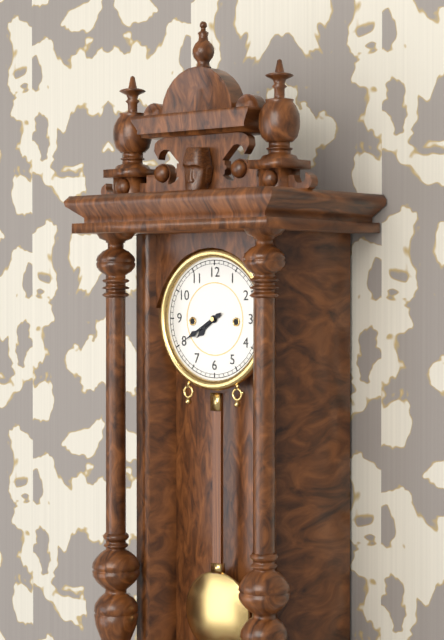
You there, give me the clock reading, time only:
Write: 7:40
